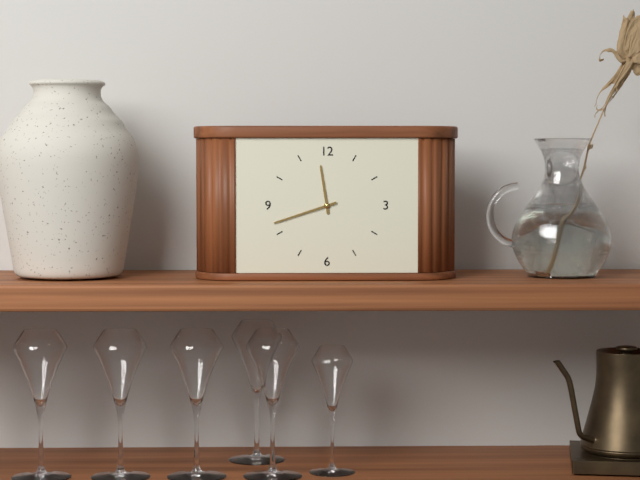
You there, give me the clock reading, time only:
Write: 11:42
